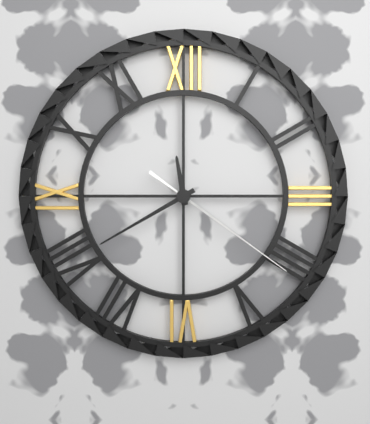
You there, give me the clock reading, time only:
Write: 11:40:21
